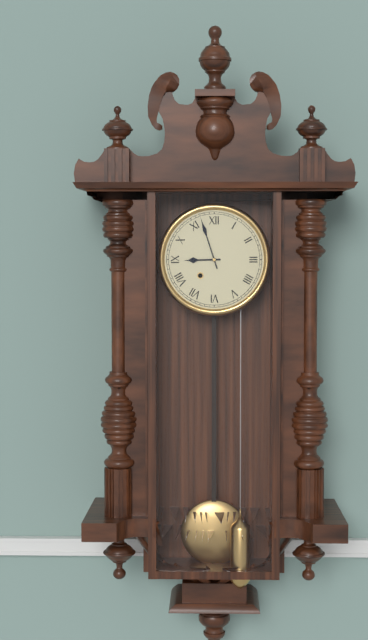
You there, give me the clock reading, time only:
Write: 8:57
